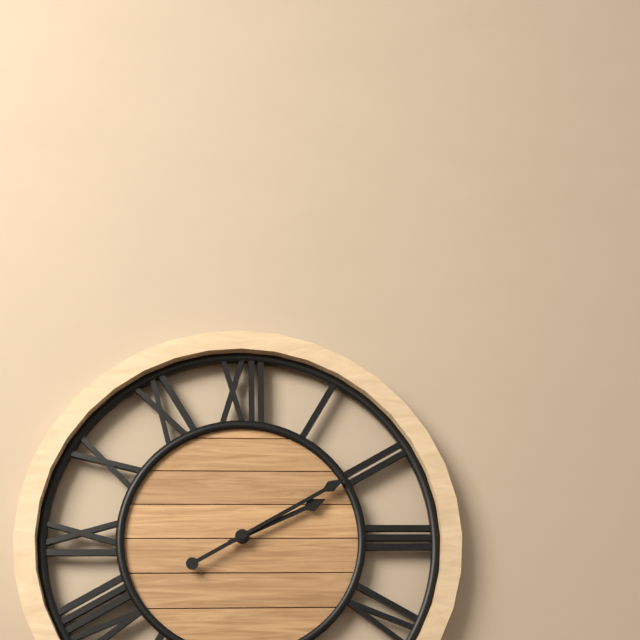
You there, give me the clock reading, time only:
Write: 2:10
